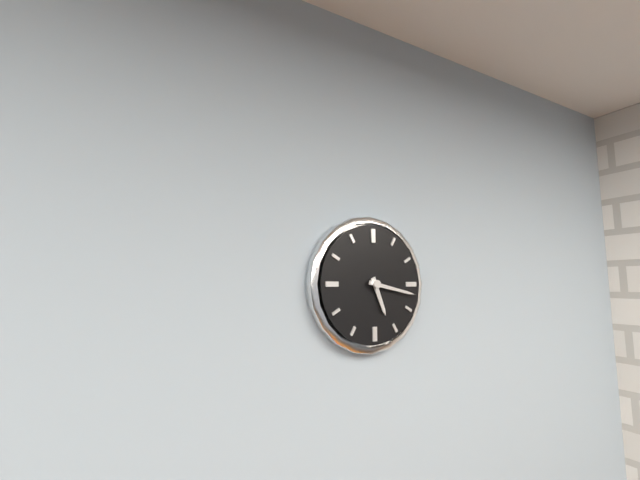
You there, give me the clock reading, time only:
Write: 5:17
